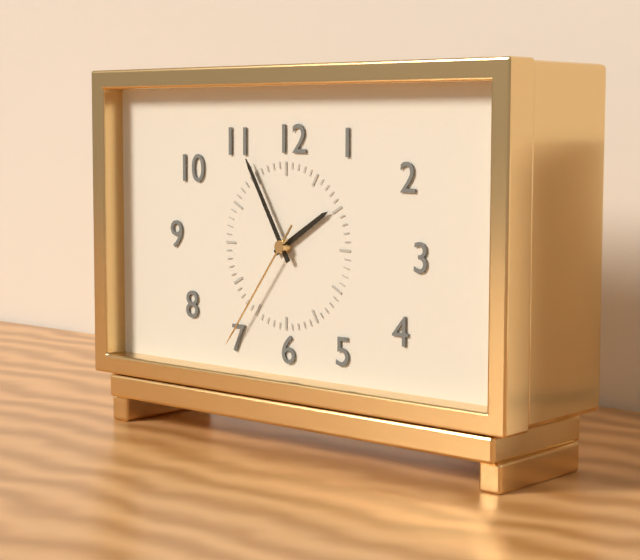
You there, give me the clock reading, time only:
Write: 1:55:36
